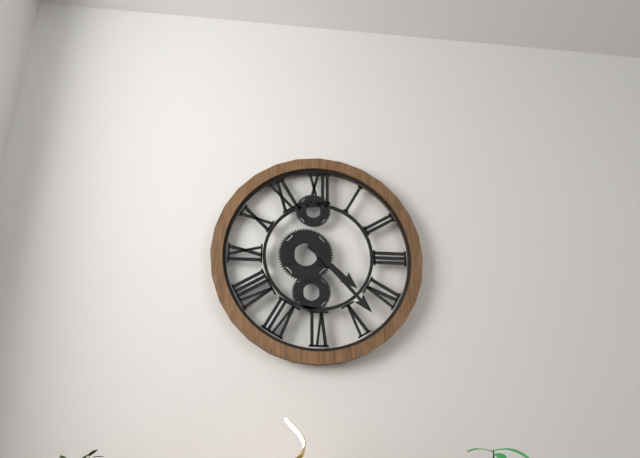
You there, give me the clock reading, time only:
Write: 4:23
